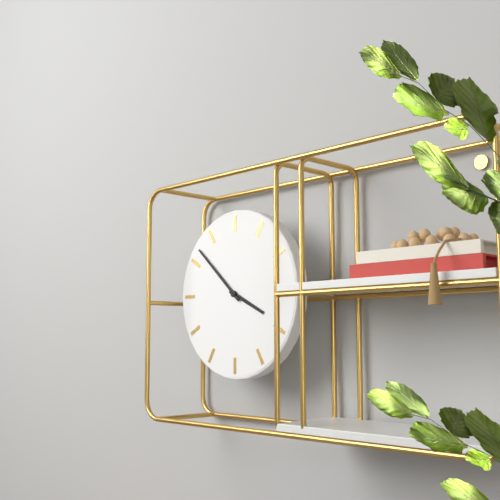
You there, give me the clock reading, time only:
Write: 3:52
